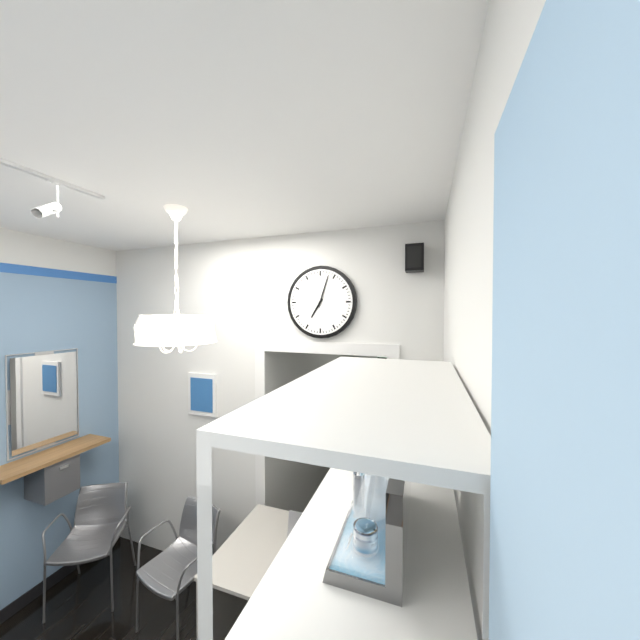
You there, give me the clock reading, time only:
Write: 7:03
